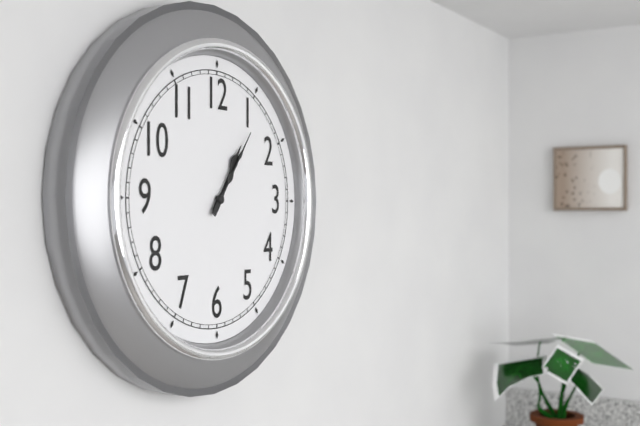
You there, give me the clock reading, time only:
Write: 1:06
